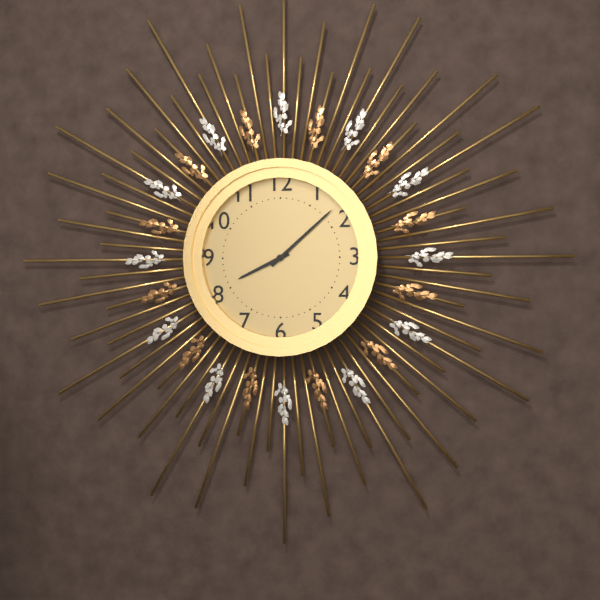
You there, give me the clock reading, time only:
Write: 8:08
